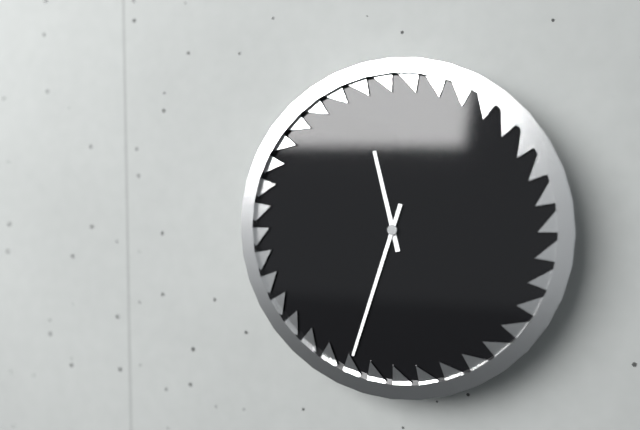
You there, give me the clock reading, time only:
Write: 11:33
